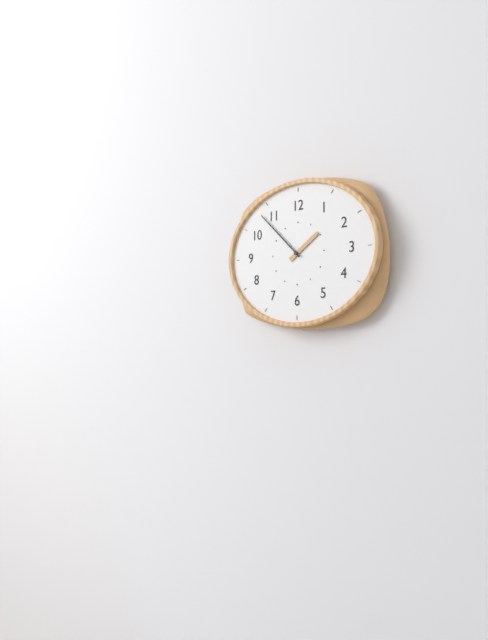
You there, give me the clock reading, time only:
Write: 1:52
